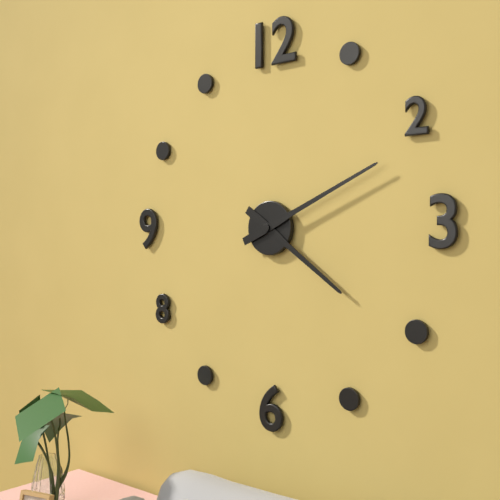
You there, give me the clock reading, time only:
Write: 4:11
